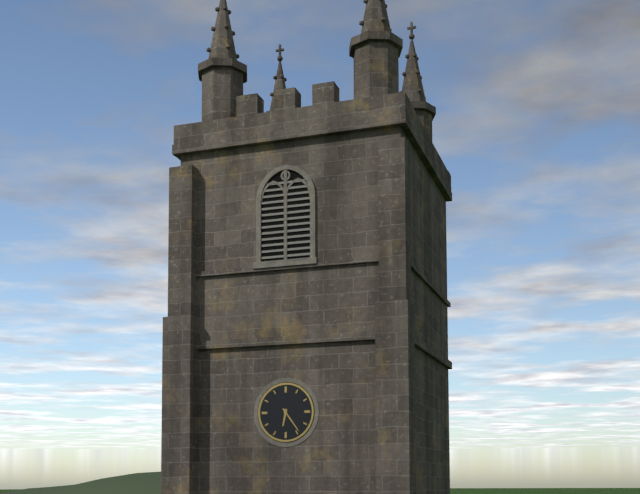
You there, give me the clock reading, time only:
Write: 6:24
